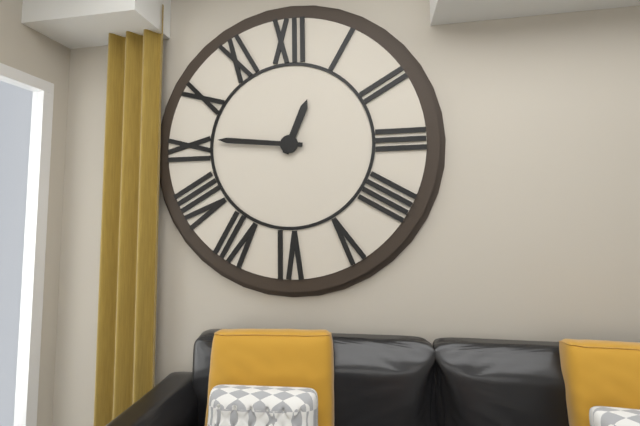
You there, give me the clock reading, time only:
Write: 12:46
